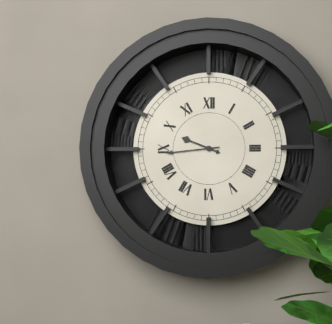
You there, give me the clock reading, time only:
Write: 9:44
